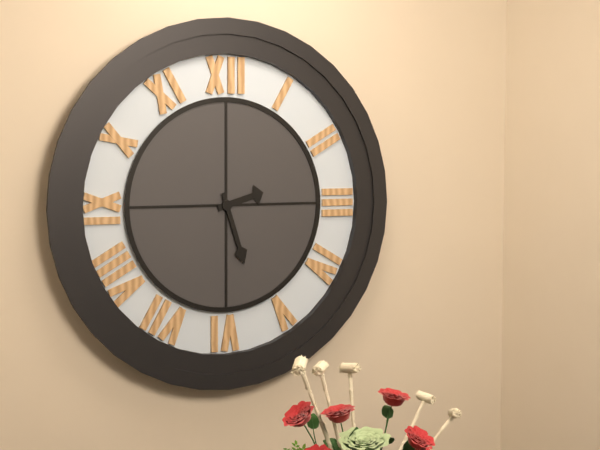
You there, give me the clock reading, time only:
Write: 2:27
